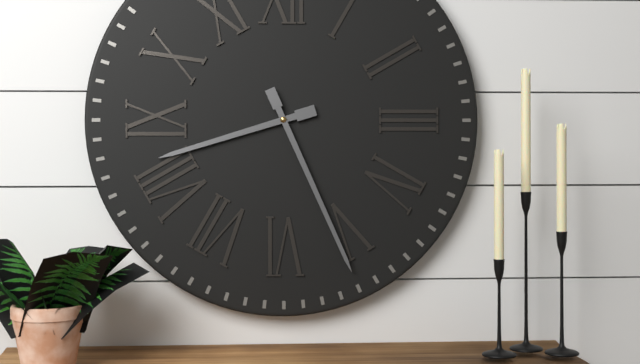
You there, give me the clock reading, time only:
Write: 8:26
